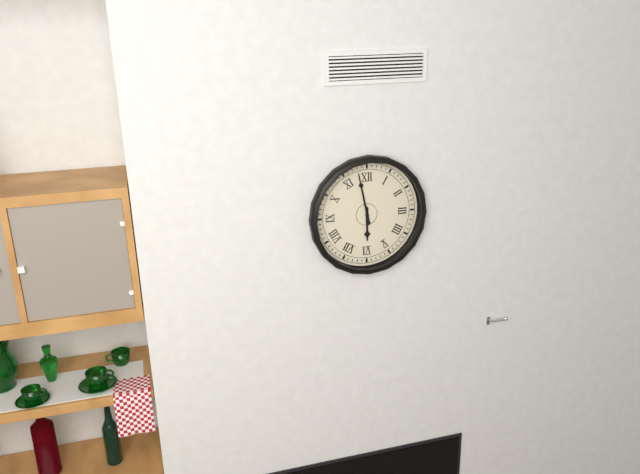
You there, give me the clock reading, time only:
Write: 5:58
